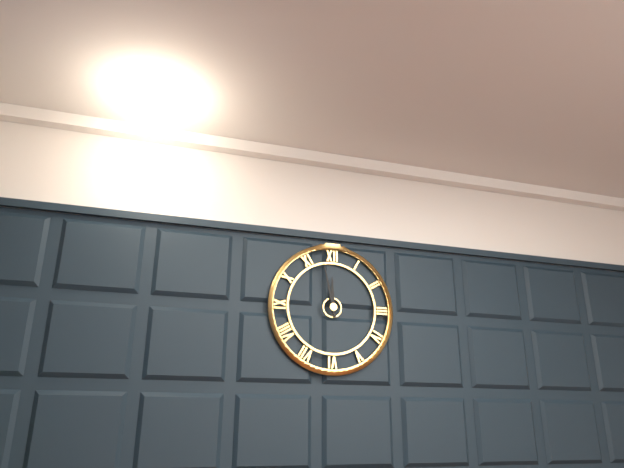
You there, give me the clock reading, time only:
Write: 11:58
